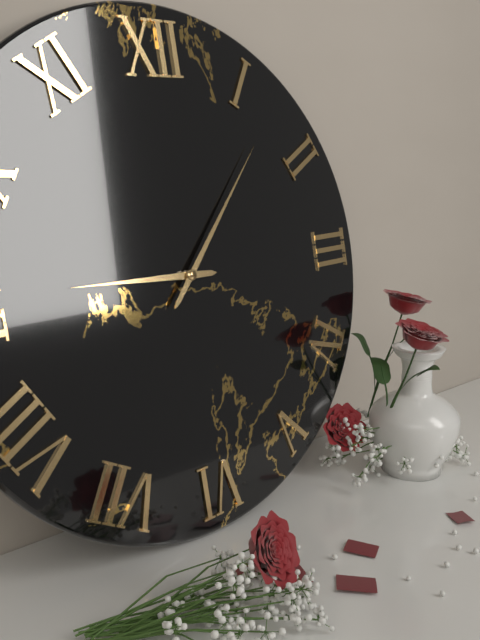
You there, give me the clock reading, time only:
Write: 9:07
